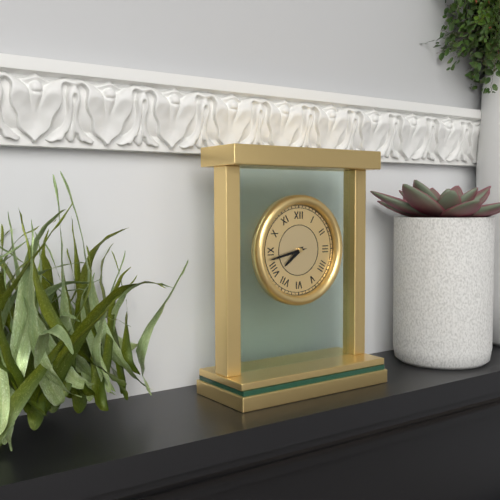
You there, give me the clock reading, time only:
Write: 7:43
